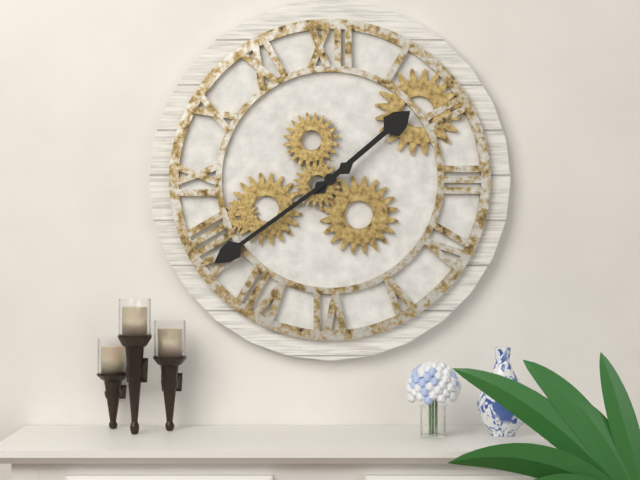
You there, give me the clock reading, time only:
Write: 1:39
